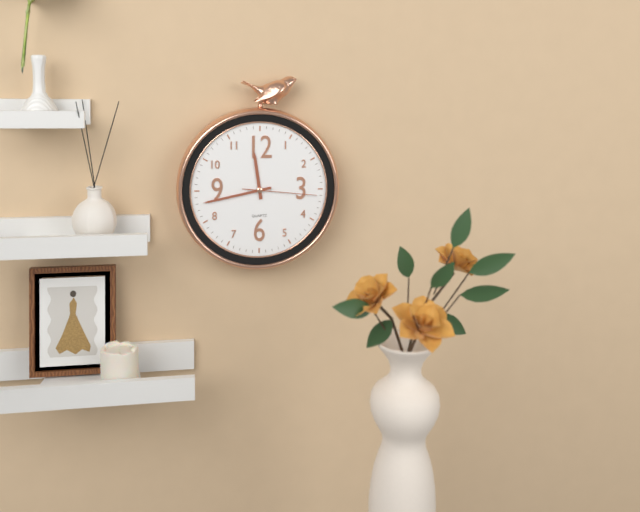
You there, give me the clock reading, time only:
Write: 11:43:16
